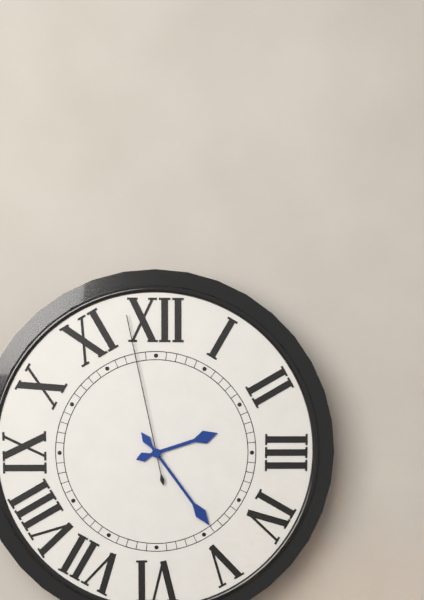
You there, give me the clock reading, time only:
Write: 2:24:58
